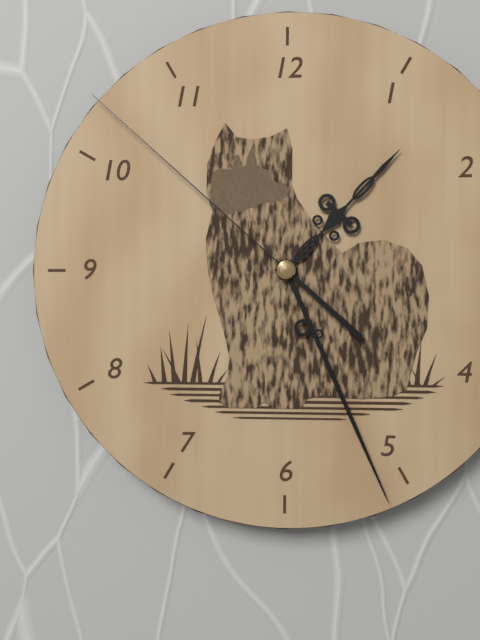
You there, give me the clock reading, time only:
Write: 1:26:52
